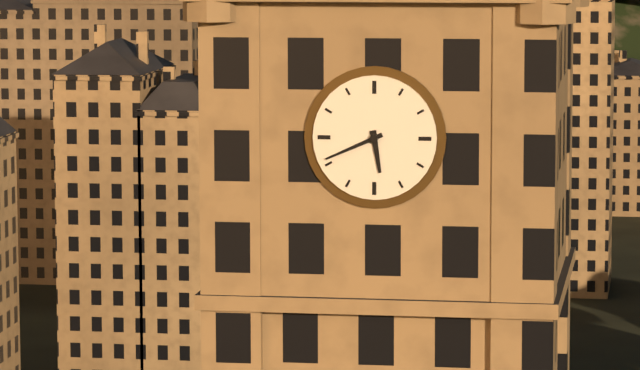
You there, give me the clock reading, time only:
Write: 5:41
